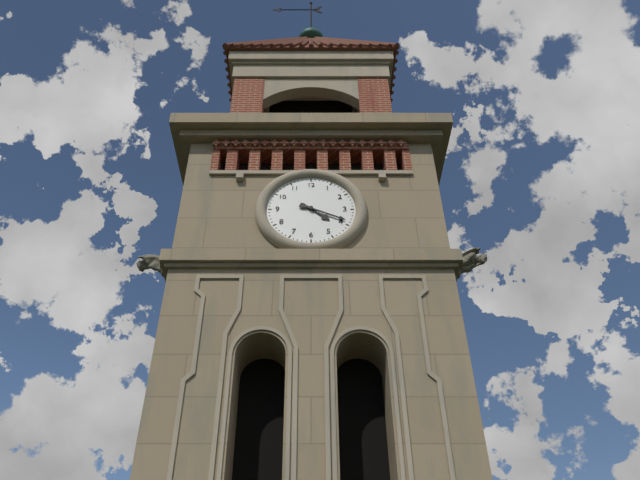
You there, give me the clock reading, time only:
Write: 4:19
